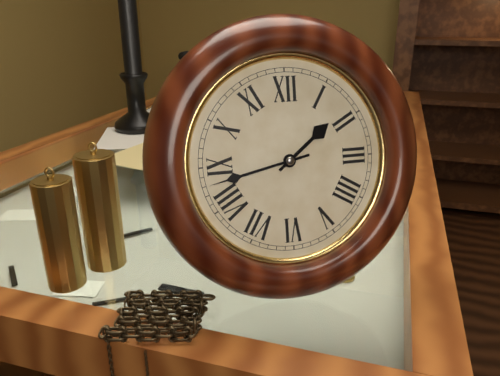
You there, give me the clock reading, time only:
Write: 1:43
